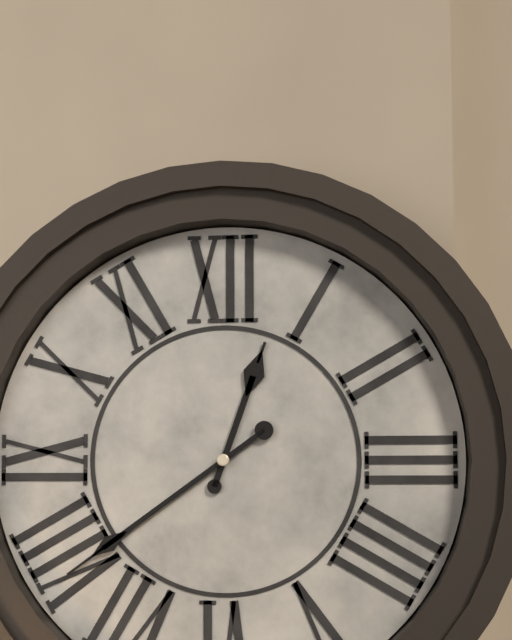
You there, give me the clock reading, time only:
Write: 12:39
